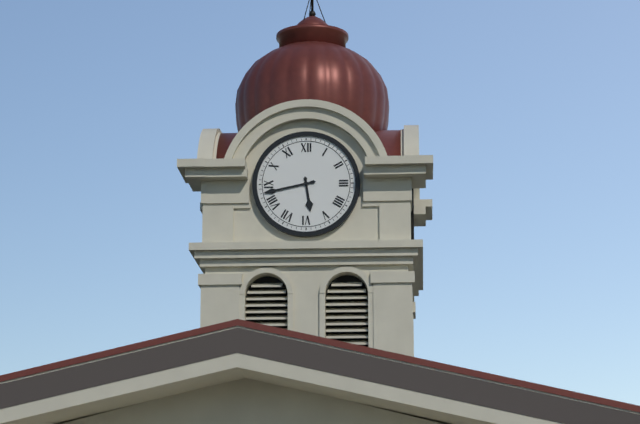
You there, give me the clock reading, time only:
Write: 5:43
